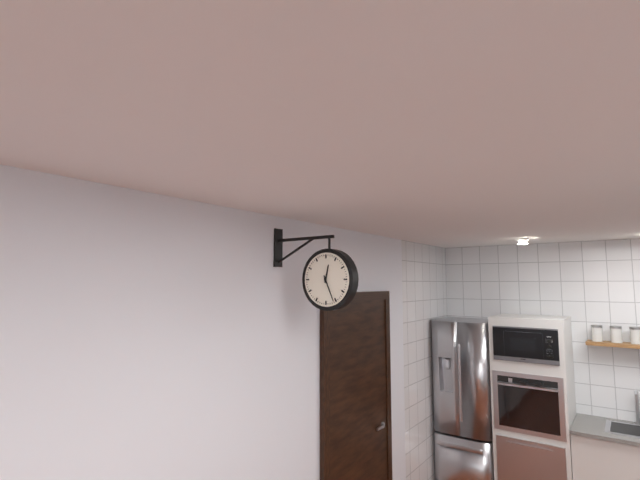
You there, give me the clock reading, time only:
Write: 12:26
